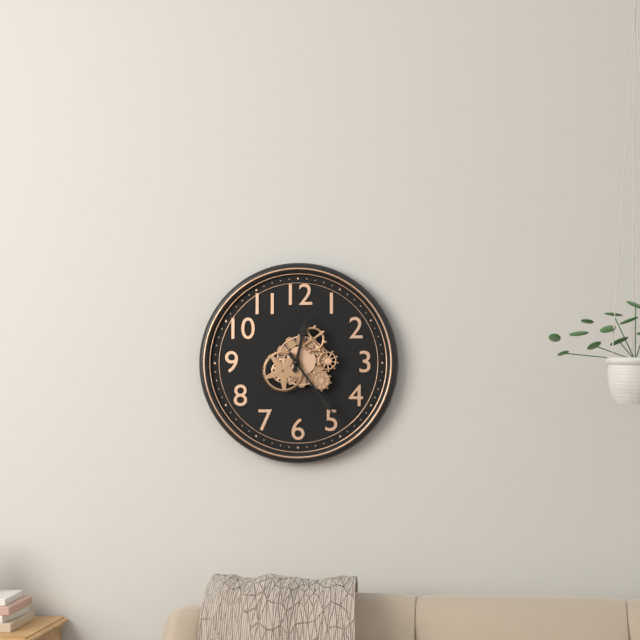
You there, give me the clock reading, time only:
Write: 12:24
